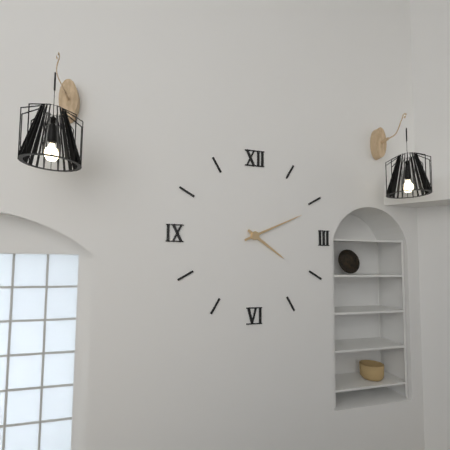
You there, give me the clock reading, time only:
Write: 4:11
